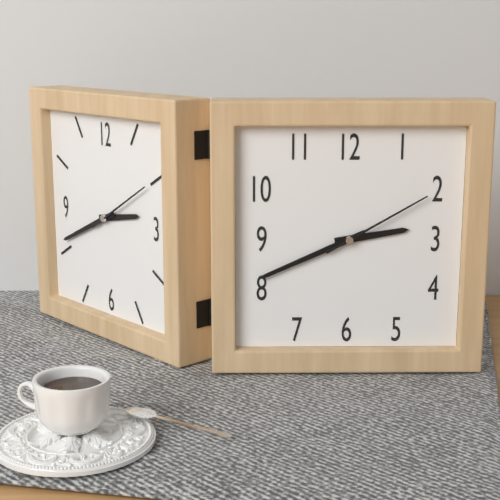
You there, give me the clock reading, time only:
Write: 2:41:10
